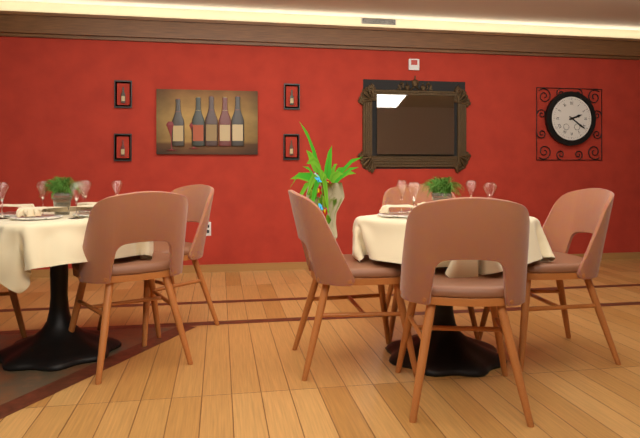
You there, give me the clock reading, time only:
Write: 2:21
